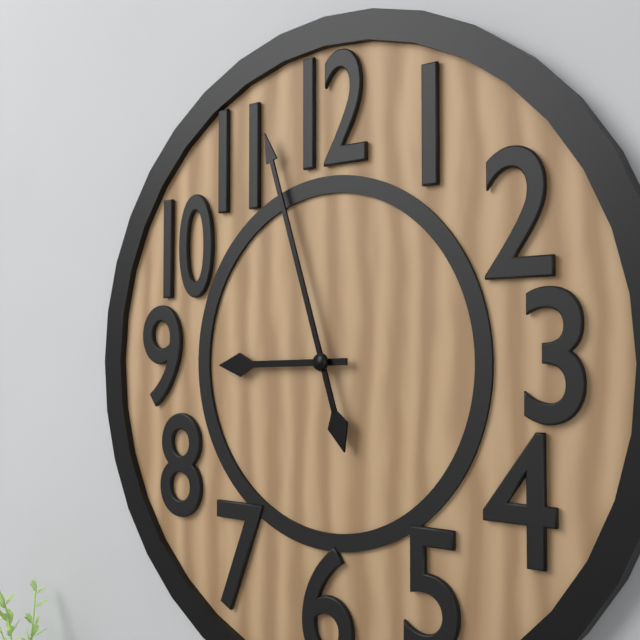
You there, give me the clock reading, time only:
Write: 8:57
